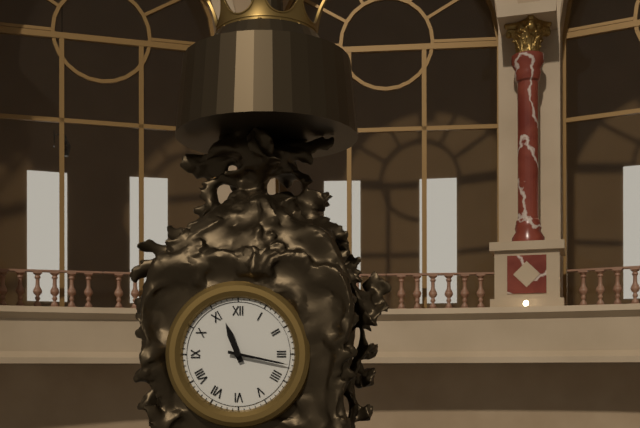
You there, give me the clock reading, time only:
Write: 11:17
